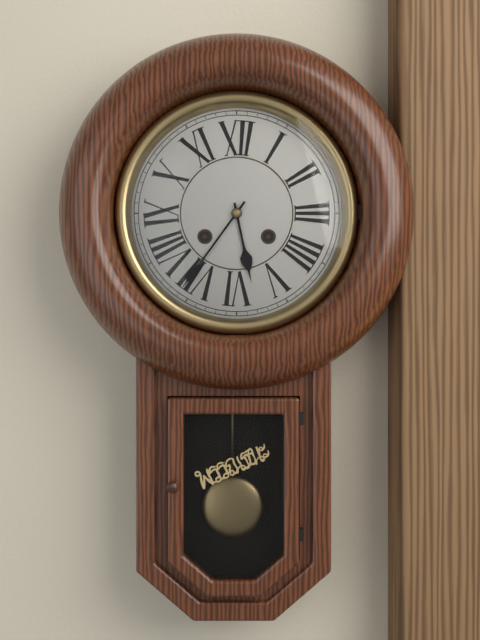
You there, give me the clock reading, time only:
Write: 5:36
